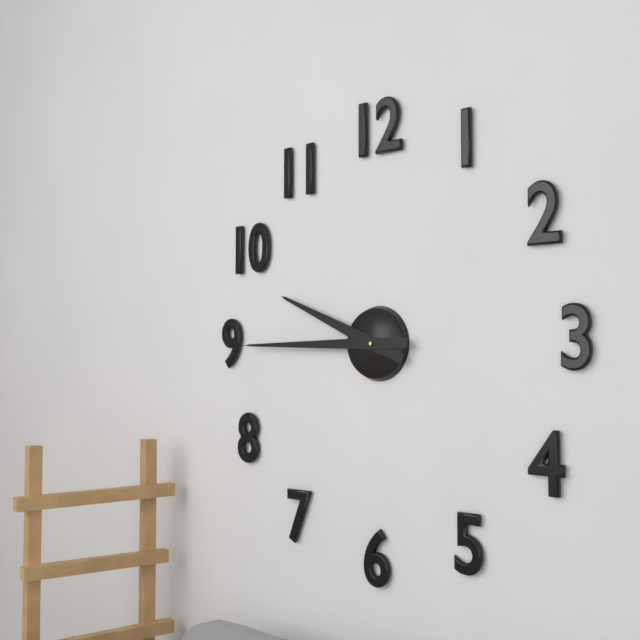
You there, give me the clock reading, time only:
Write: 9:45
